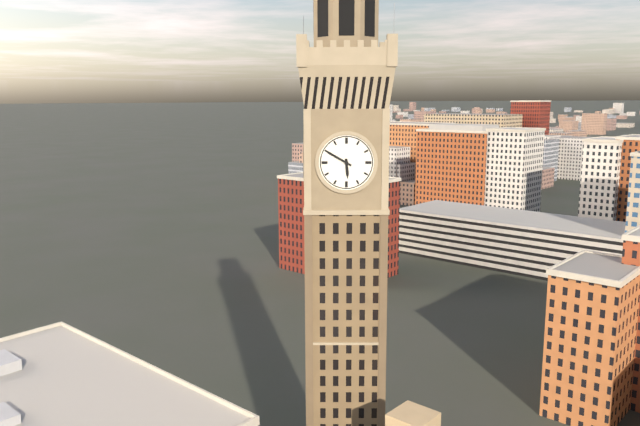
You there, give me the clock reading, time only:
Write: 5:50
